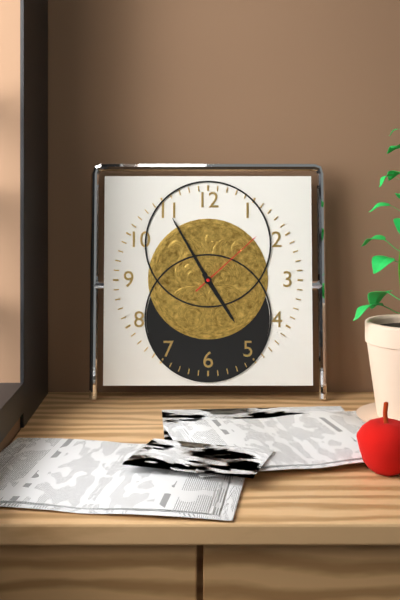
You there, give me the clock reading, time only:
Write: 4:55:08
